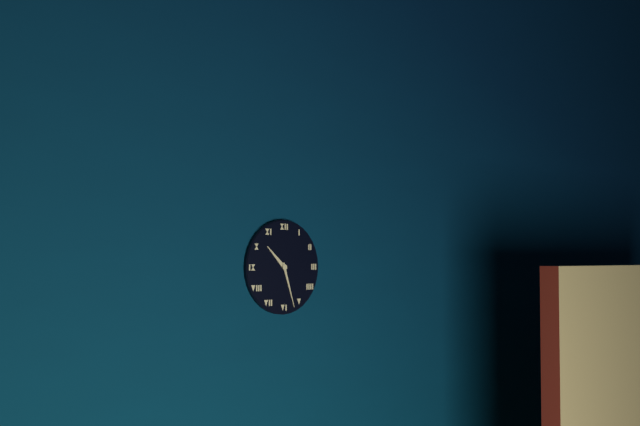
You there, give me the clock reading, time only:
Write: 10:27
